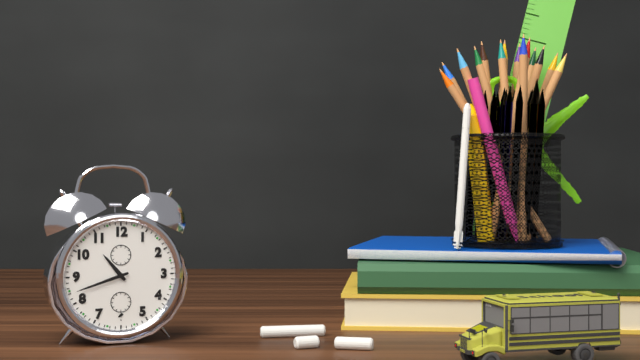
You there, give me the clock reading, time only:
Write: 10:42
